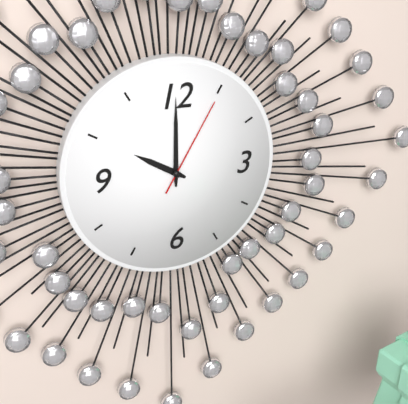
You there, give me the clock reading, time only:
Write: 10:00:05
